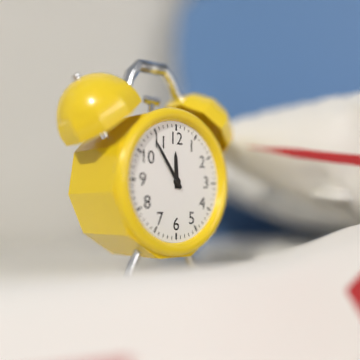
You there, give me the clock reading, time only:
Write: 11:54
